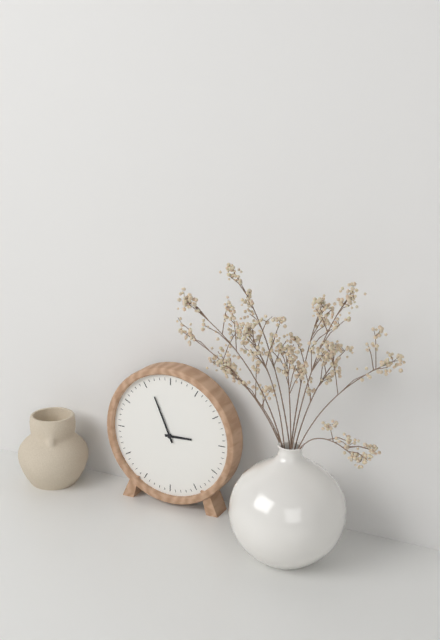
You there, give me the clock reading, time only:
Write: 2:56
